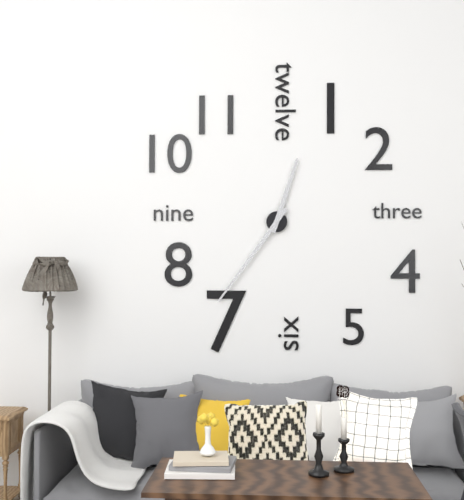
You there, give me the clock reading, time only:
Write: 12:36
